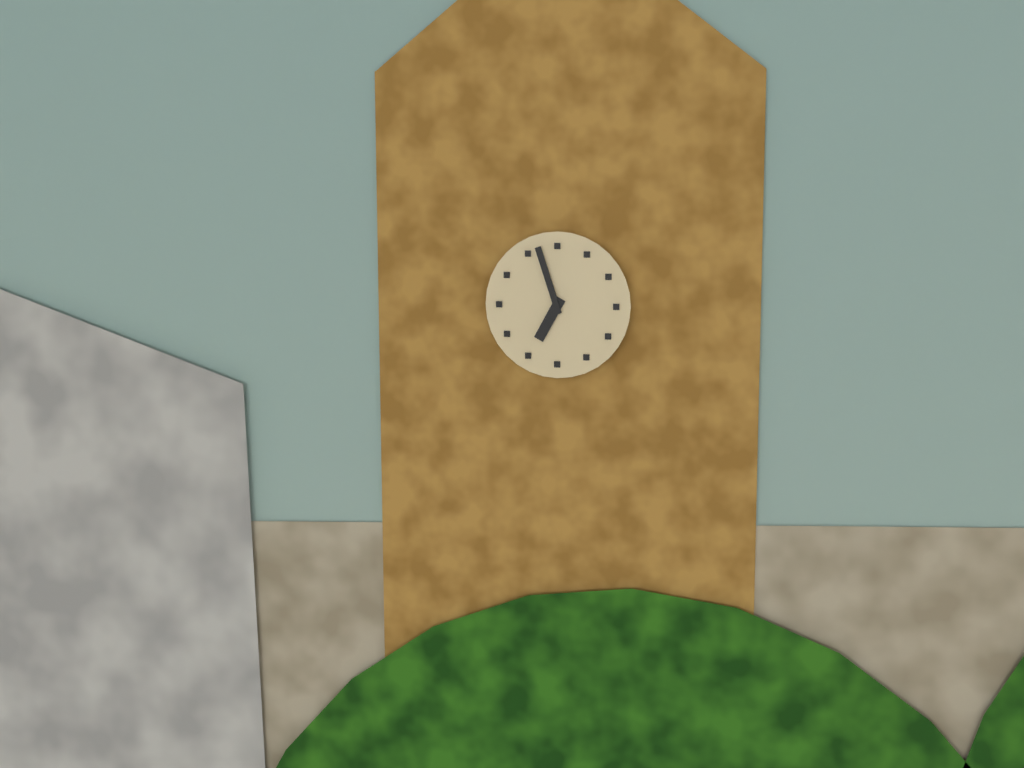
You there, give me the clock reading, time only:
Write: 6:57
